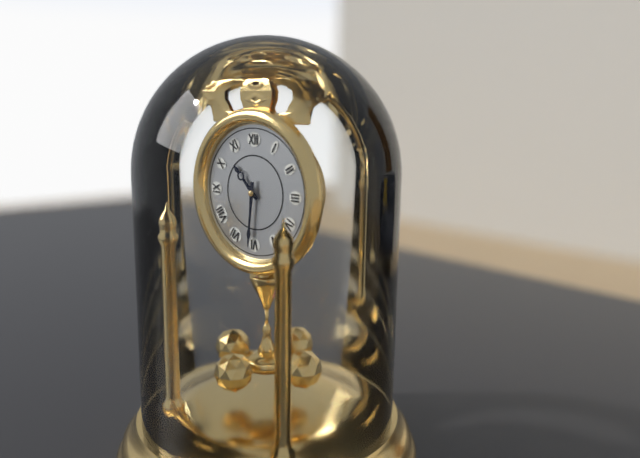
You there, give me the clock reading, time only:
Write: 10:31
